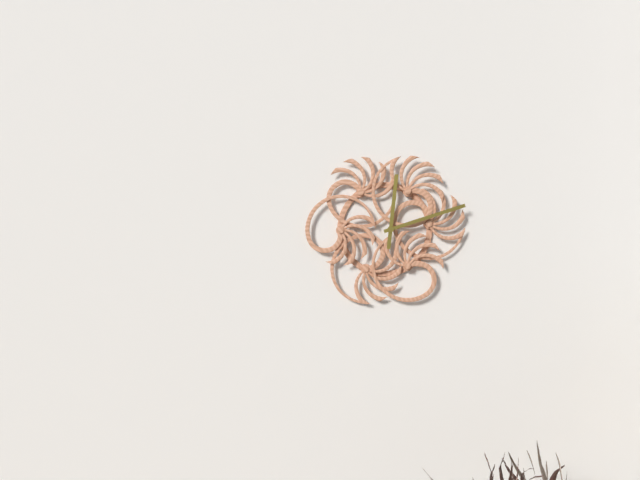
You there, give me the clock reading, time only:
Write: 12:12
